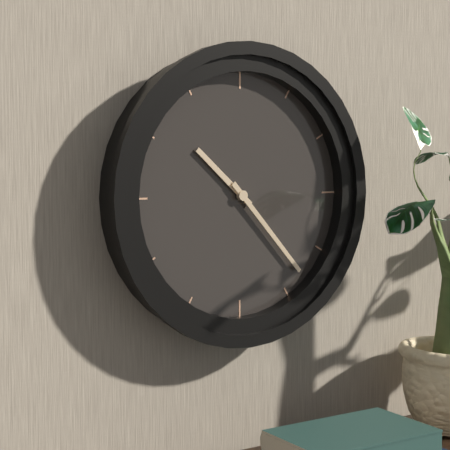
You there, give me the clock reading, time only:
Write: 10:23
